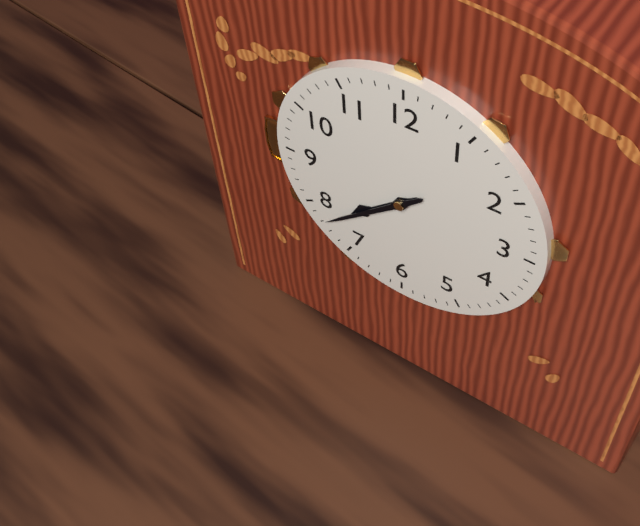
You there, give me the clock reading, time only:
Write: 7:38
